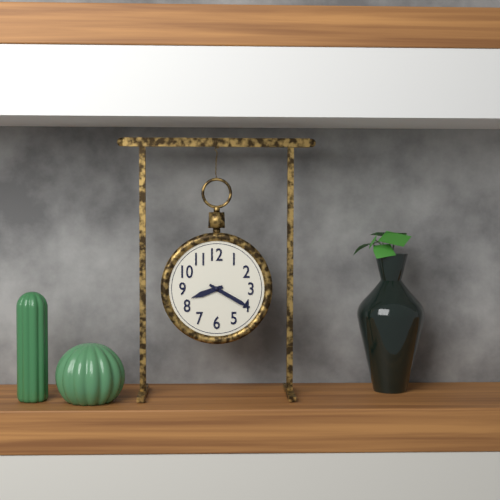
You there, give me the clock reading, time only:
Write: 8:20
